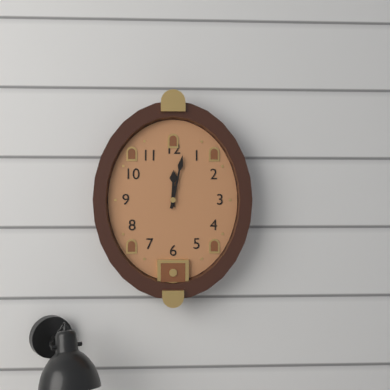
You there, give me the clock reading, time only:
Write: 12:02
